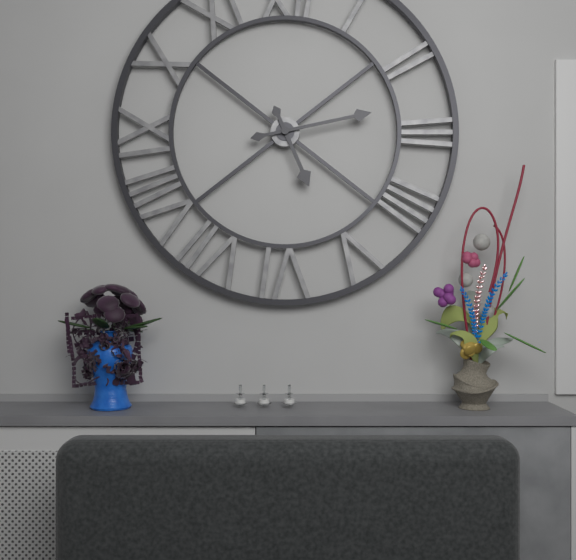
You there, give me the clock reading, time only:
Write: 5:13
